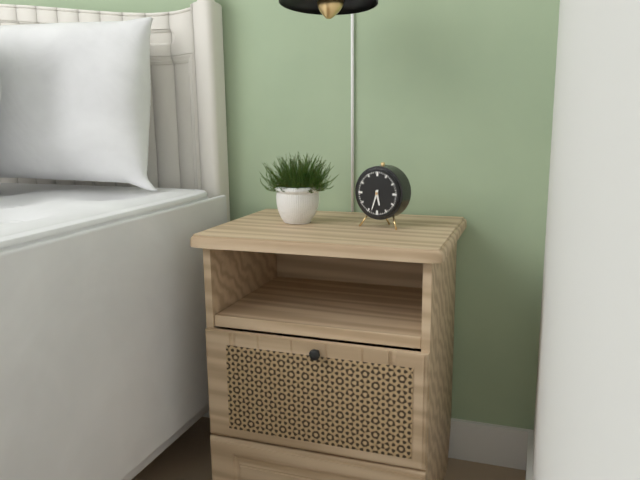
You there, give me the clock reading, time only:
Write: 5:33
